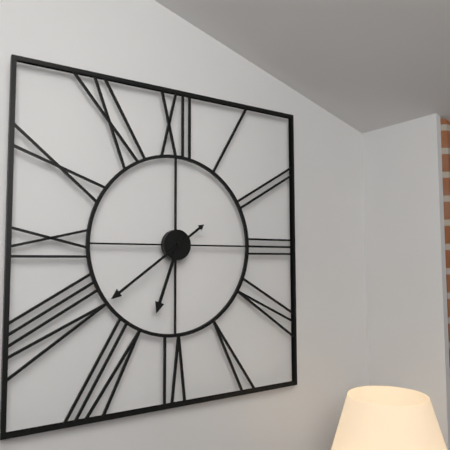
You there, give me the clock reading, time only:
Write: 6:39
